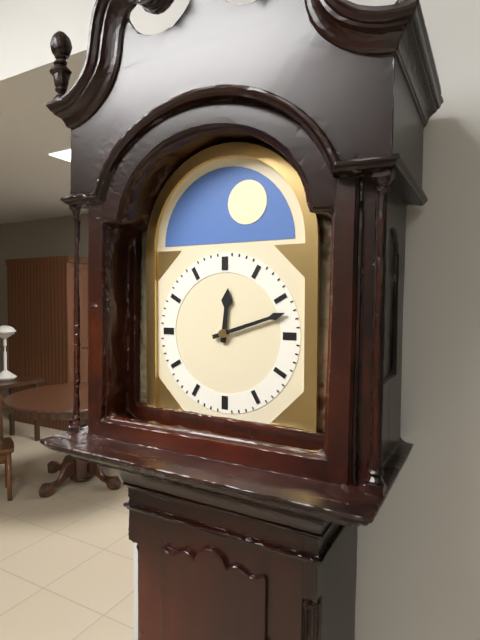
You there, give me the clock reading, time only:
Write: 12:12
